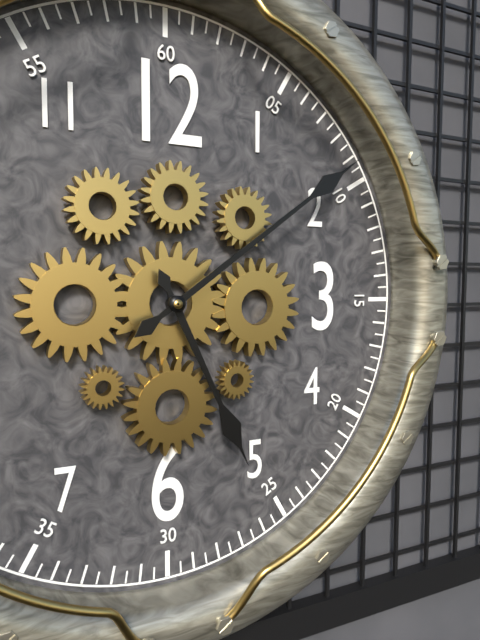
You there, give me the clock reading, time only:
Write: 5:09
